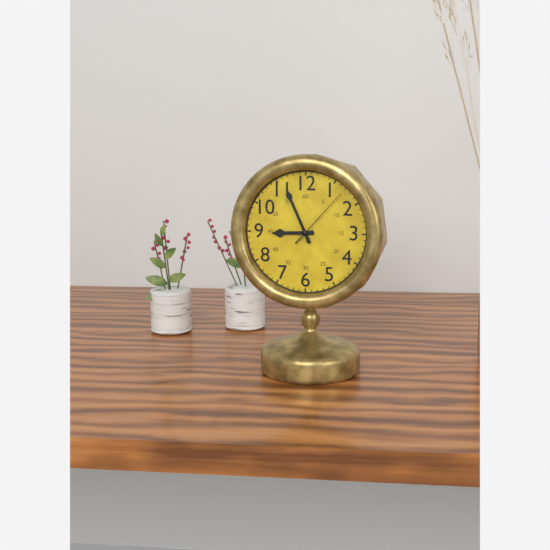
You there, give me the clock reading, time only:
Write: 8:56:07
